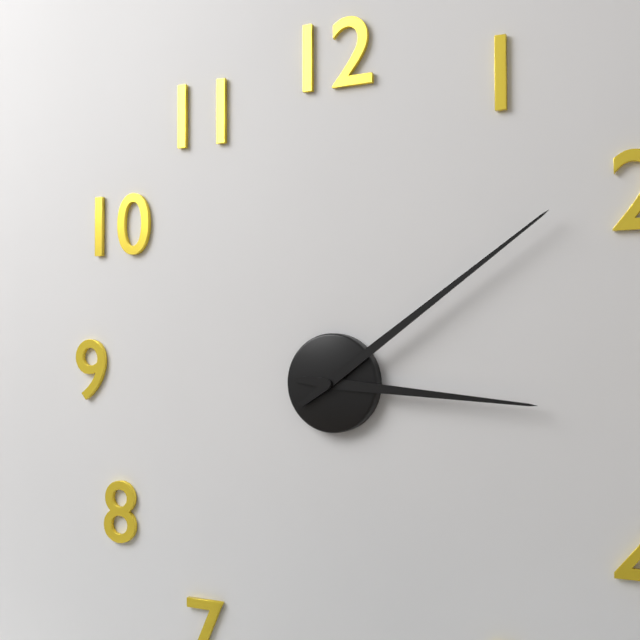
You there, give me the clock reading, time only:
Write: 3:09
